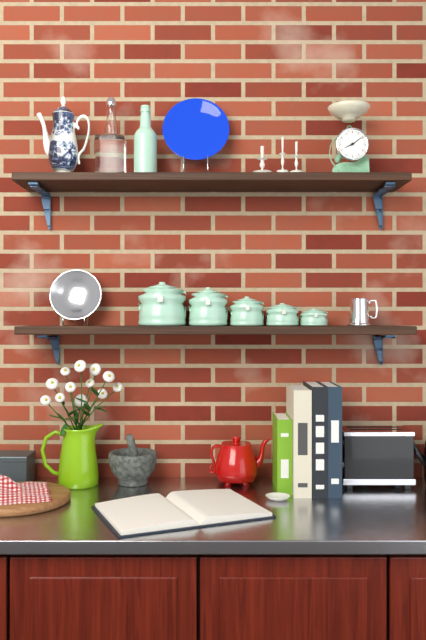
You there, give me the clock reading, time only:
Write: 8:09
